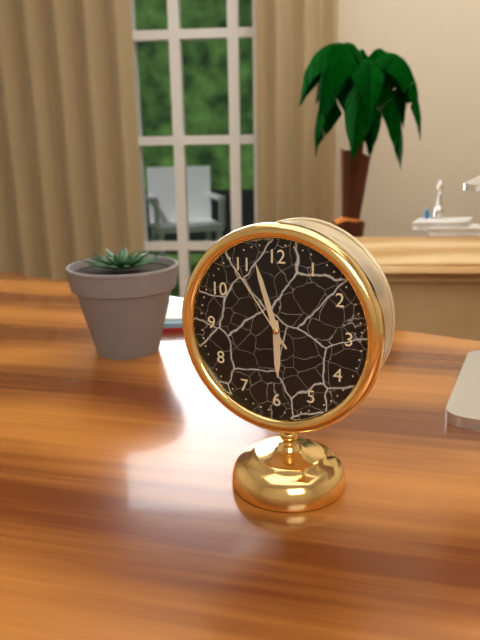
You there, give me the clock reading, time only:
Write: 5:57:54
